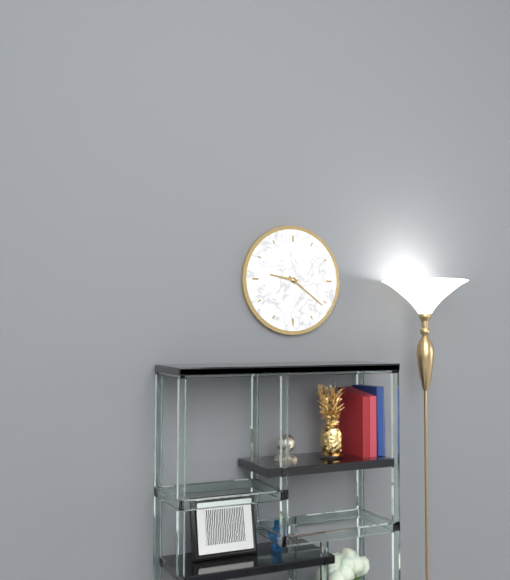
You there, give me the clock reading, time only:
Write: 9:21
